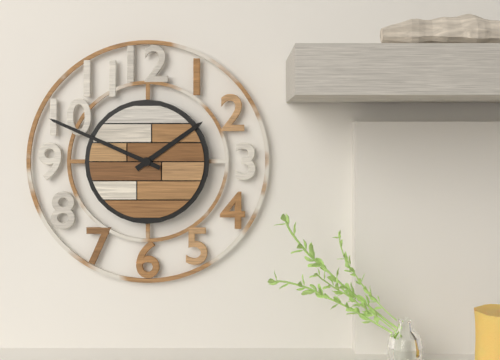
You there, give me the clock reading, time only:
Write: 1:49
